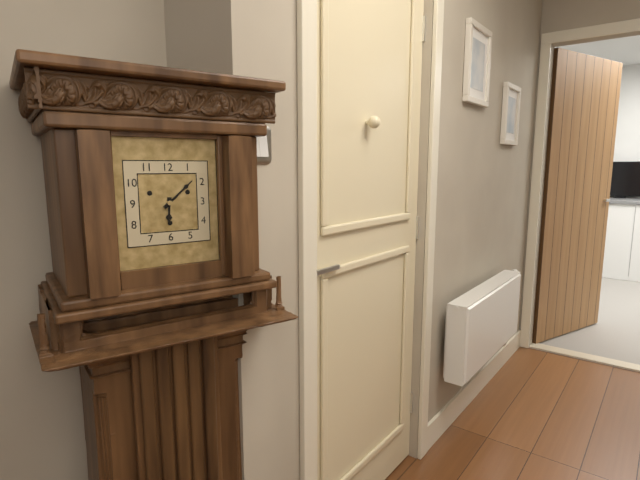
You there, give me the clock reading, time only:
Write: 6:08
